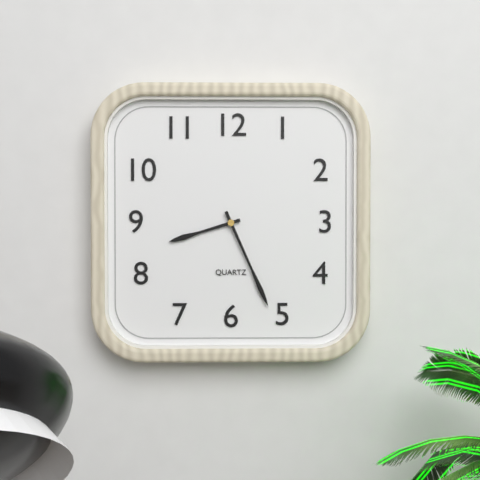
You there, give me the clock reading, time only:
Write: 8:26
